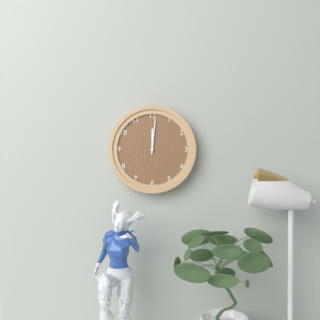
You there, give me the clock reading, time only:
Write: 12:01
